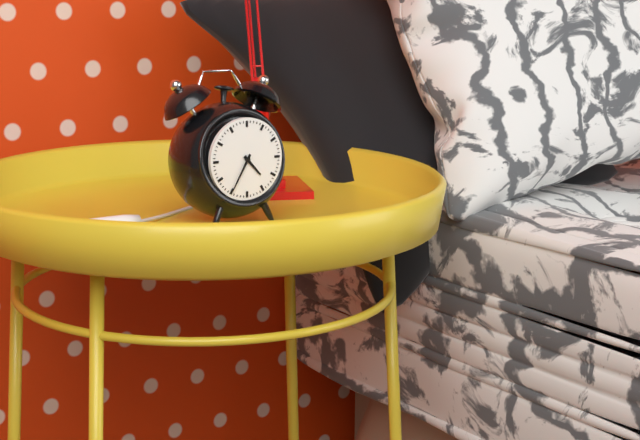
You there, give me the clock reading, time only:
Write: 4:35
